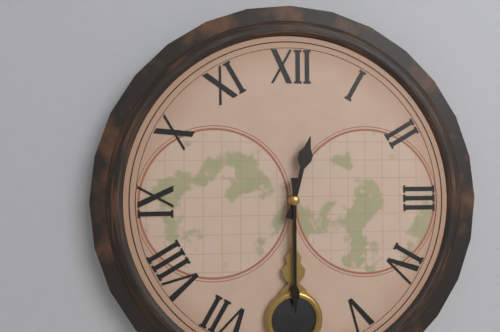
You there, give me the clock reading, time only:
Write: 12:30
